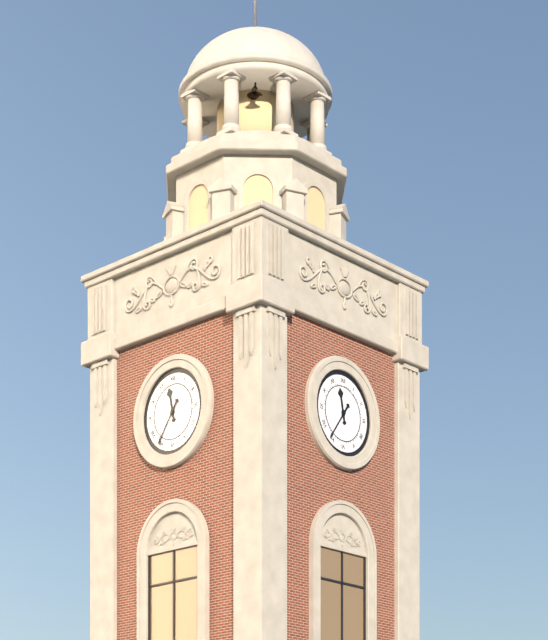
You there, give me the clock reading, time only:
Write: 11:36
